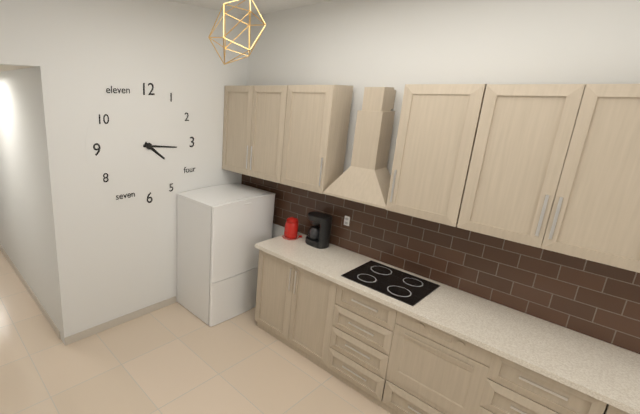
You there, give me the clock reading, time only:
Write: 4:16
